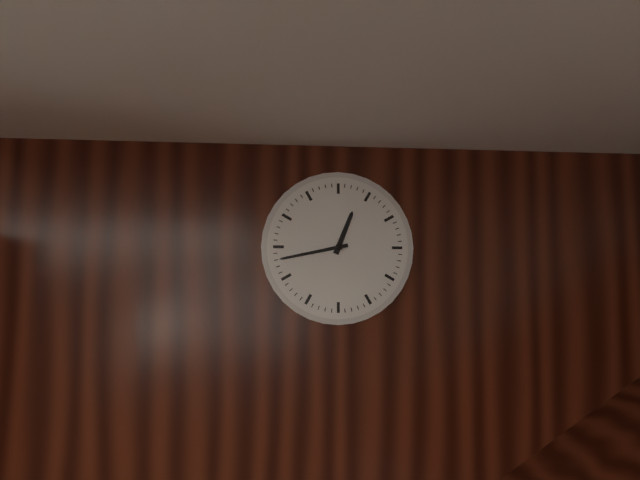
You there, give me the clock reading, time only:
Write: 12:43
